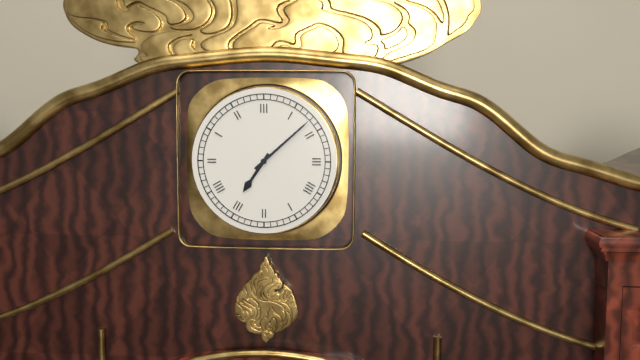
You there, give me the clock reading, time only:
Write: 7:08
